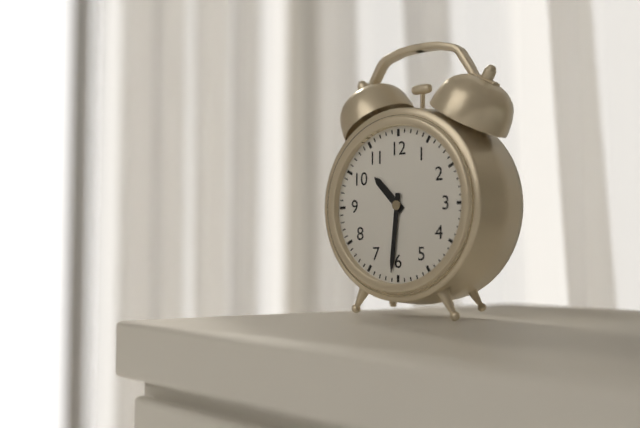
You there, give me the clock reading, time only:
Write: 10:31
